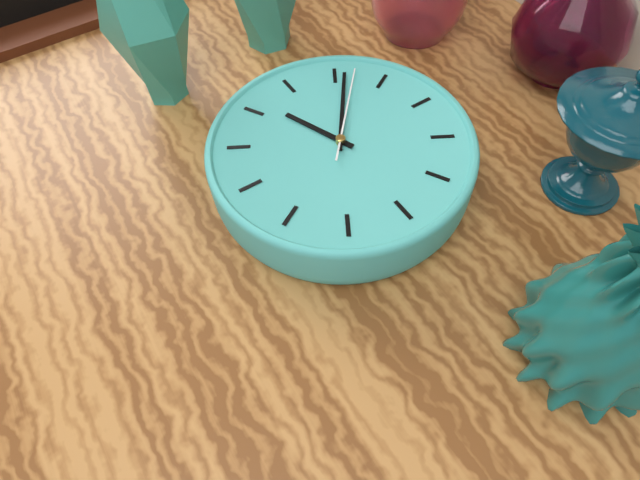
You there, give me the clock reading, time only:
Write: 1:16:17
